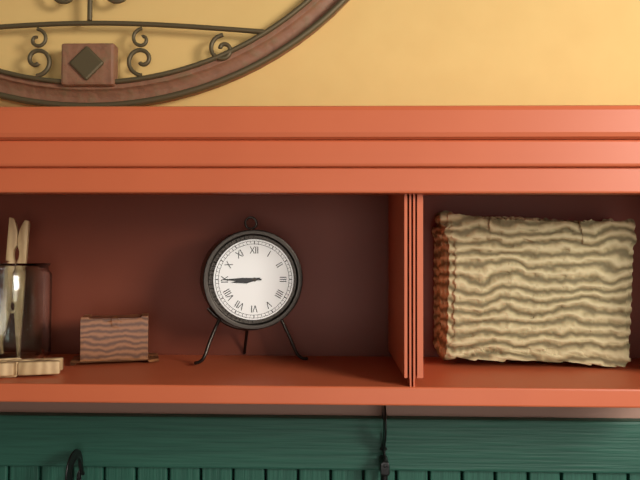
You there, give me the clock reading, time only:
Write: 8:45
